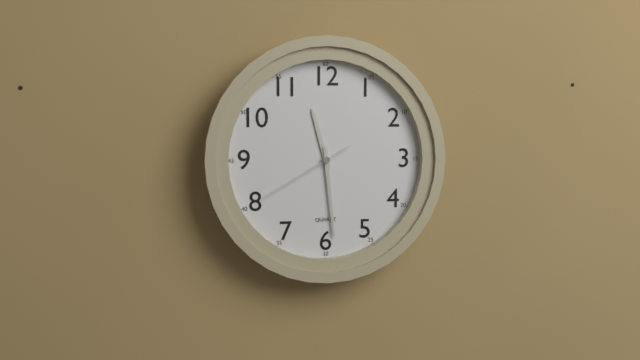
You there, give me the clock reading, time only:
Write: 11:29:40
